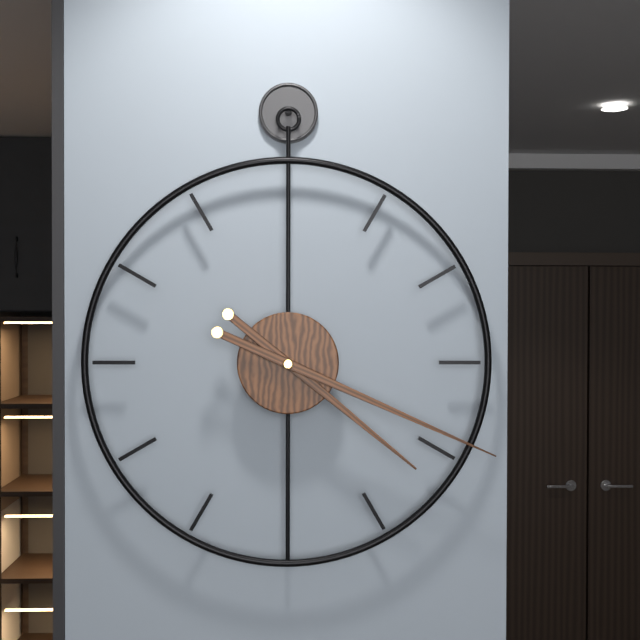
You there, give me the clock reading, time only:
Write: 4:19
